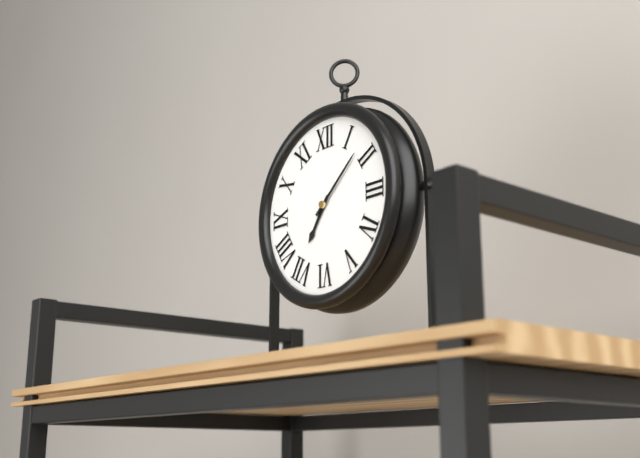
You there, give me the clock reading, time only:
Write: 7:08
